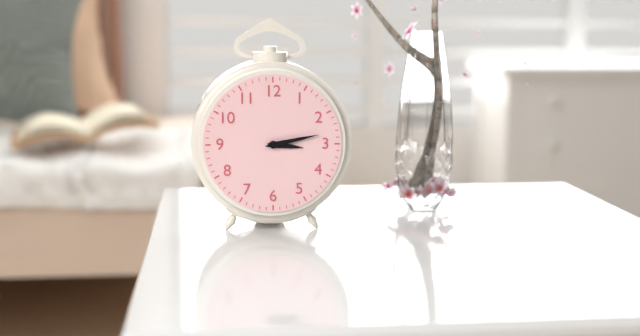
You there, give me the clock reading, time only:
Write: 3:13
